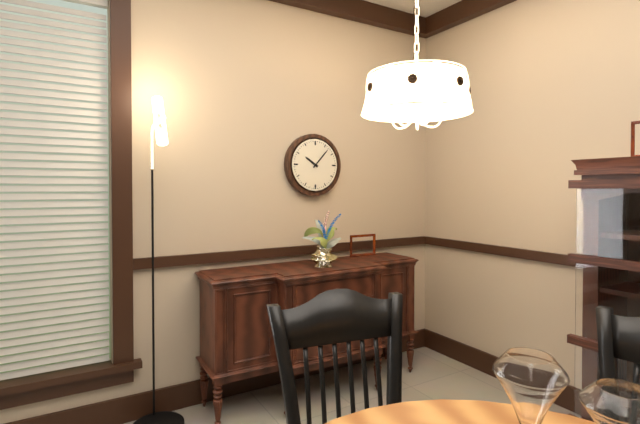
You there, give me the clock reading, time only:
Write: 10:07
